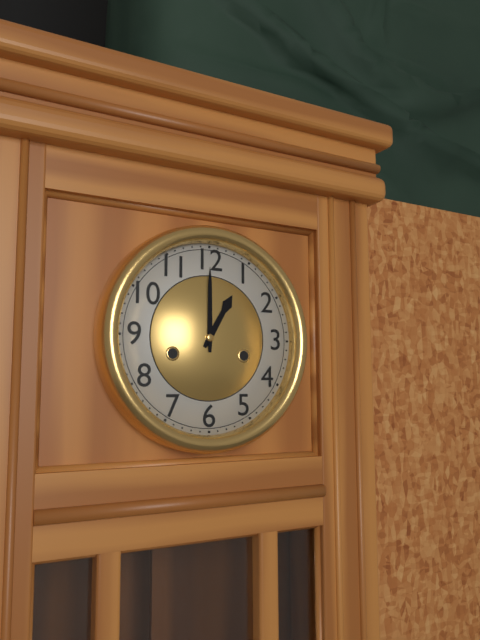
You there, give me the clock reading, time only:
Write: 1:00
